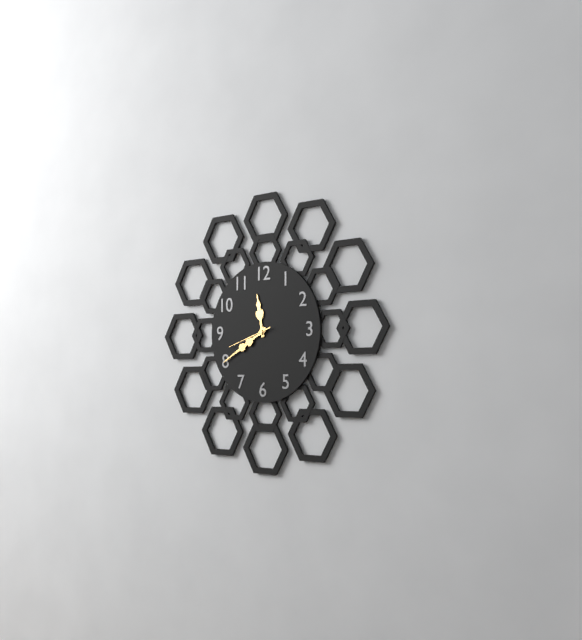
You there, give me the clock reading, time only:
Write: 11:40
